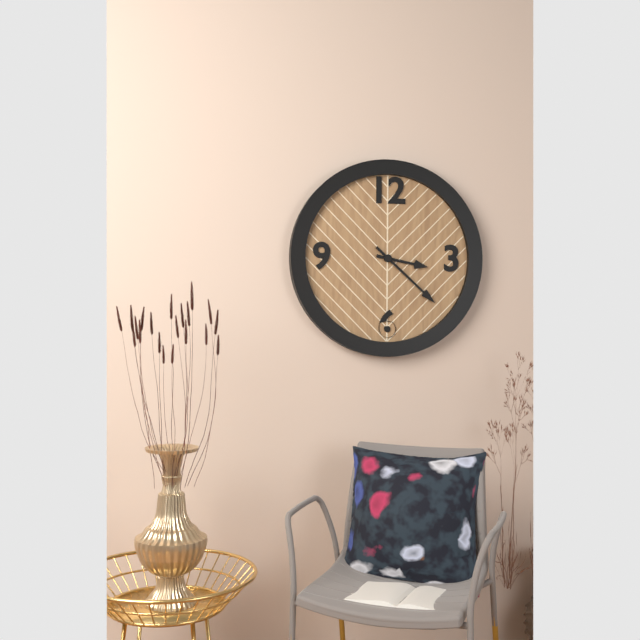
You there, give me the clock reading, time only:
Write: 3:22
